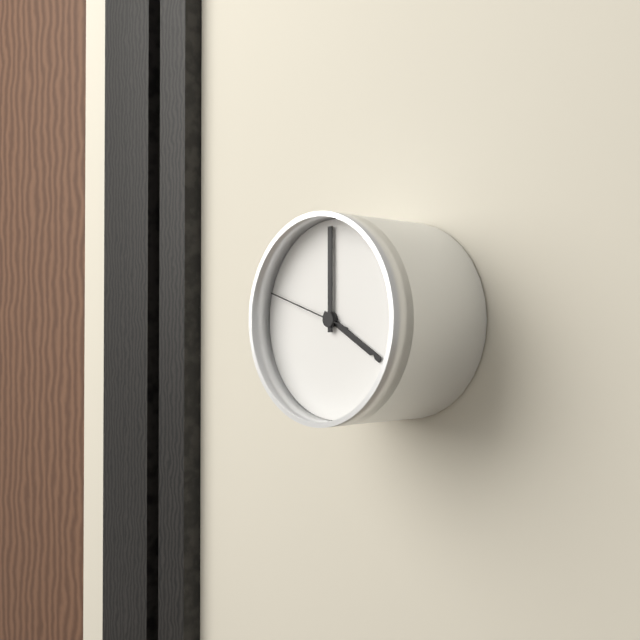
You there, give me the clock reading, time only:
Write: 4:00:48
